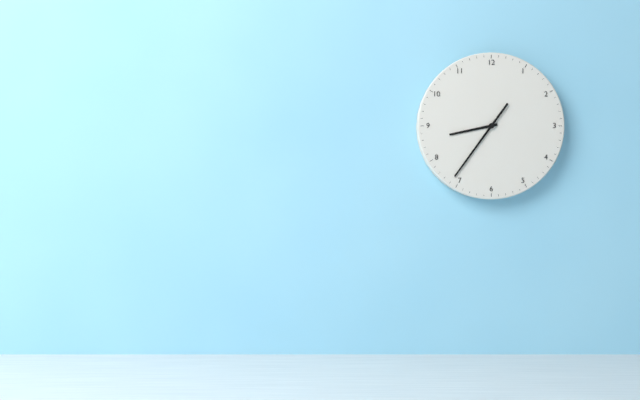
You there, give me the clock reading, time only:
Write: 8:36:36
